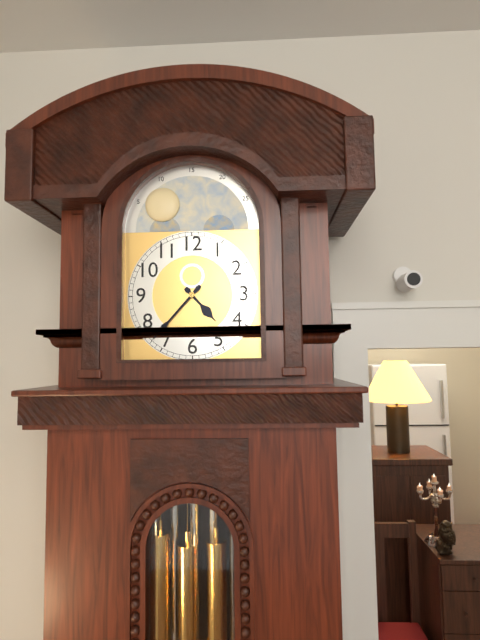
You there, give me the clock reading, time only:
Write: 4:37
